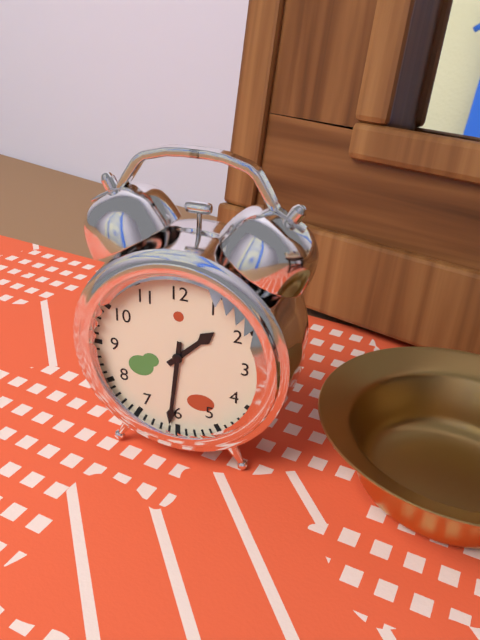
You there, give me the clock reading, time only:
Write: 1:31
